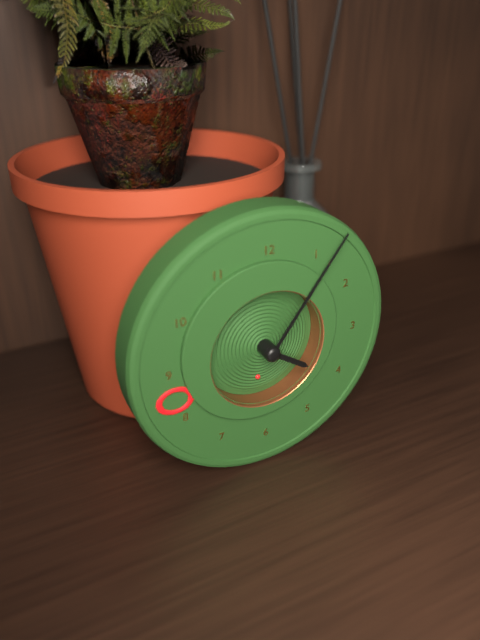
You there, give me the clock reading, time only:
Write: 4:06:31
